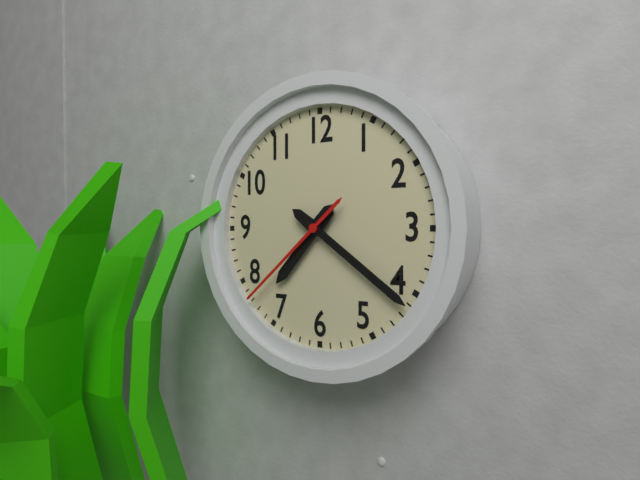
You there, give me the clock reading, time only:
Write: 7:21:38
